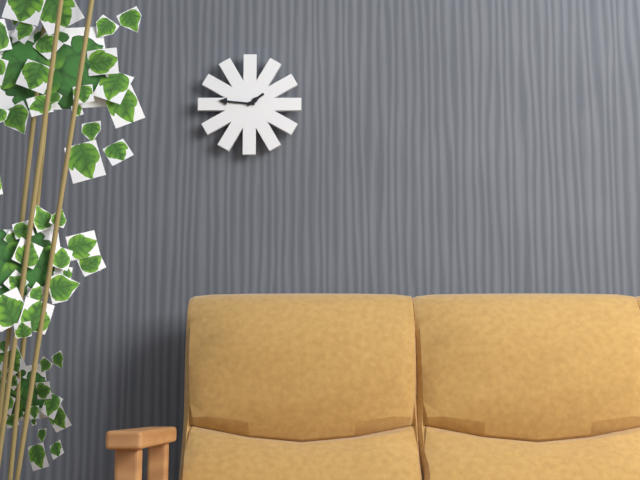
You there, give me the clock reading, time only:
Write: 1:46
